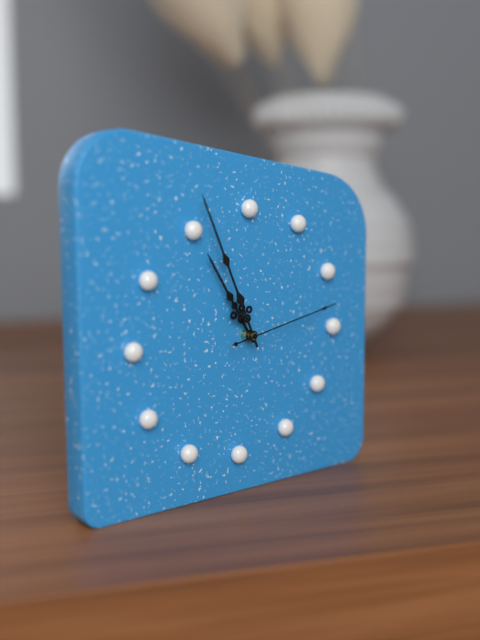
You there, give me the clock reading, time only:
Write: 10:56:13
